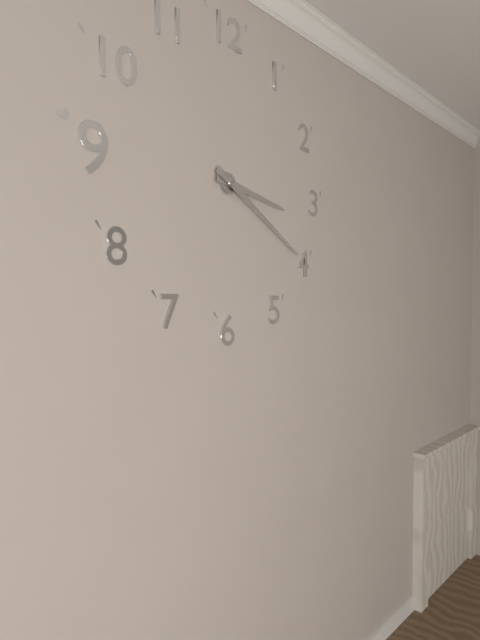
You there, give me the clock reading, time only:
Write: 3:20
